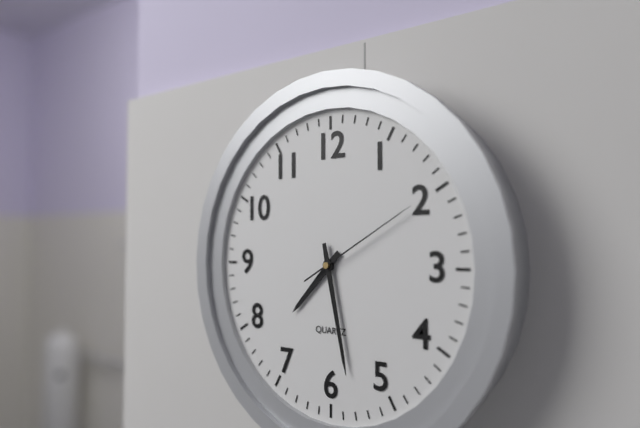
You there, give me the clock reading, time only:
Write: 7:28:10
